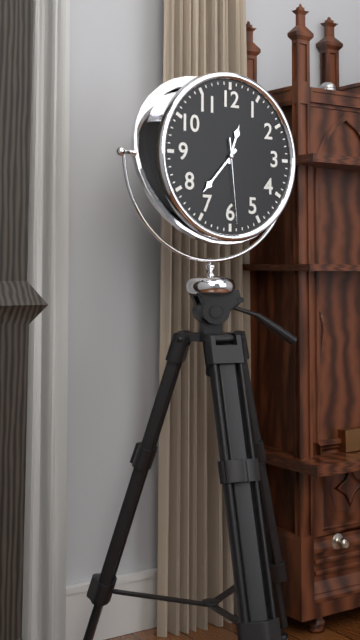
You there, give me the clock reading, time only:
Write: 12:37:29
